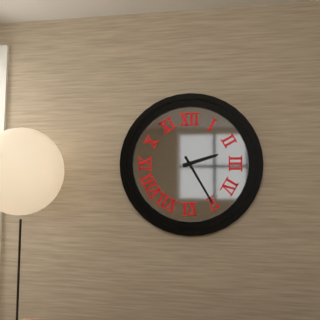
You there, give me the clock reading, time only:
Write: 2:25
